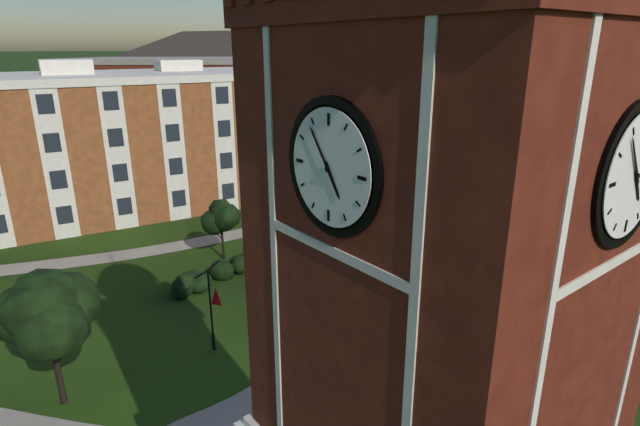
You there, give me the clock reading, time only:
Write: 4:54
